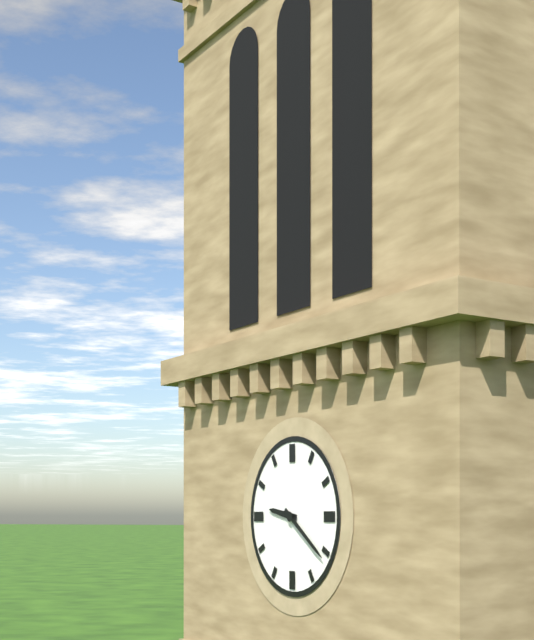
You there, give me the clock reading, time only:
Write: 9:21
